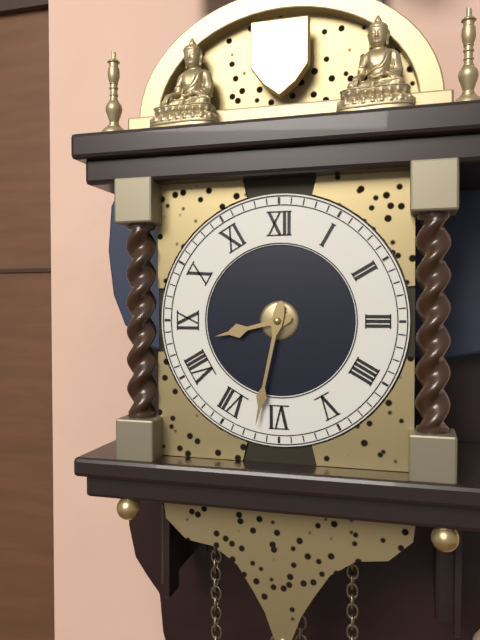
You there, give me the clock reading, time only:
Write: 8:32
